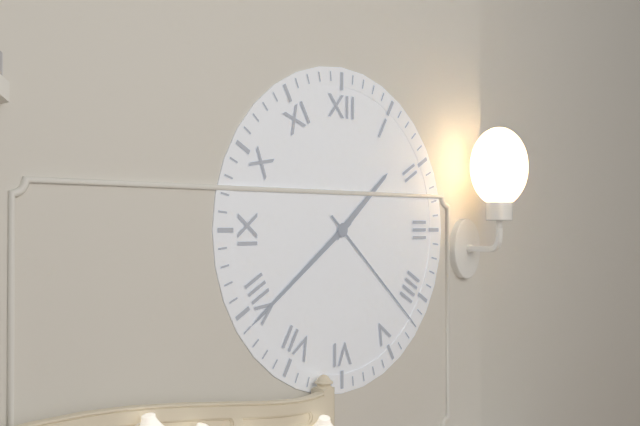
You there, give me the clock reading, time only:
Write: 1:39:22
